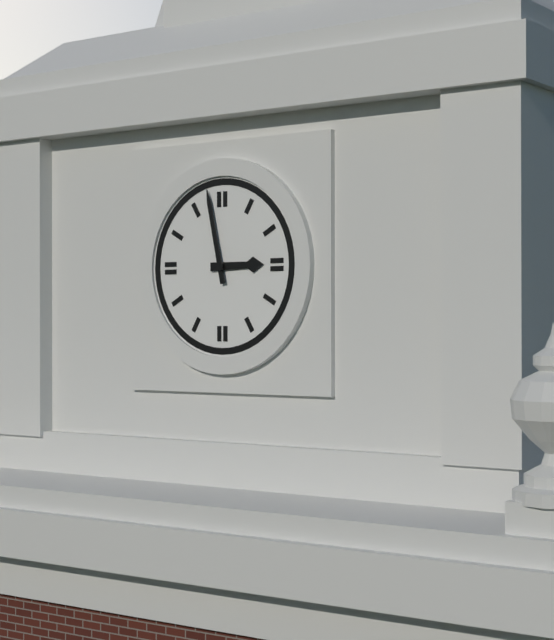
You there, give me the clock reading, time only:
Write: 2:58
